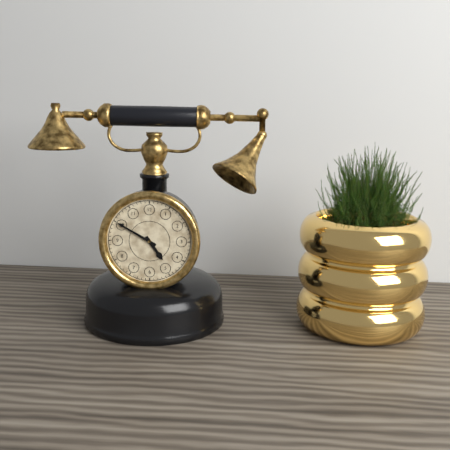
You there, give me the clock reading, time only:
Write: 4:50
